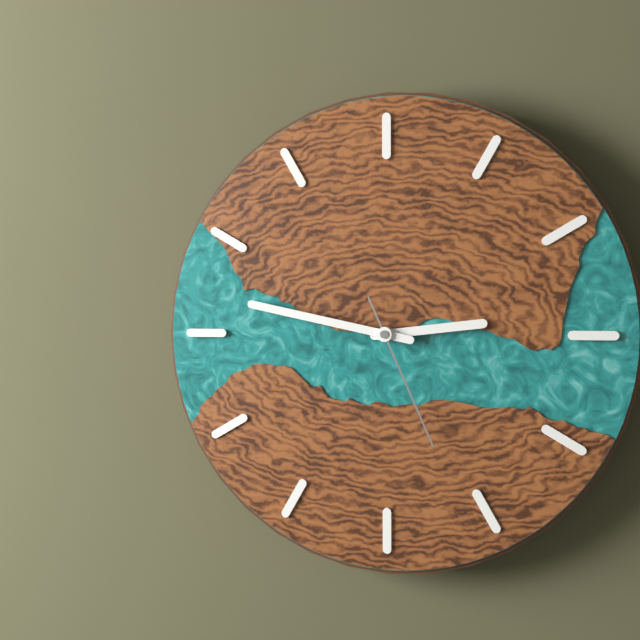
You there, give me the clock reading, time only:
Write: 2:47:26
